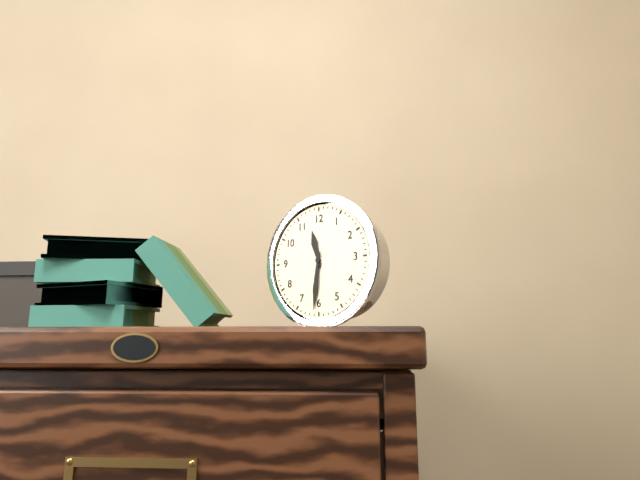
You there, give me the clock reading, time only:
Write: 11:31
